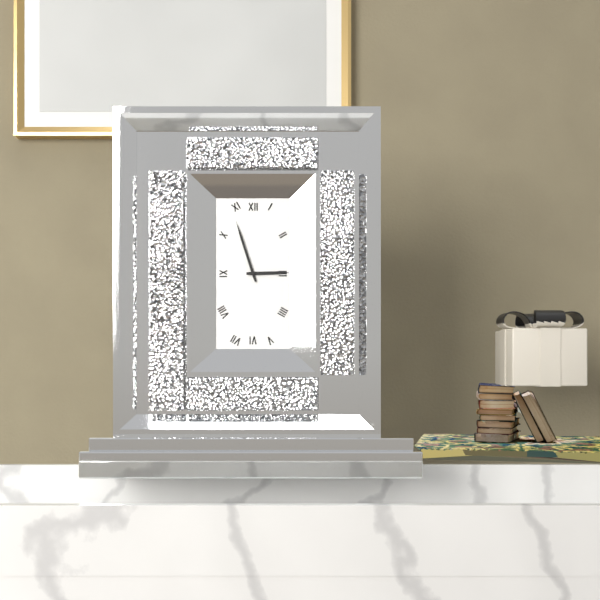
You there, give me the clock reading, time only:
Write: 2:57
